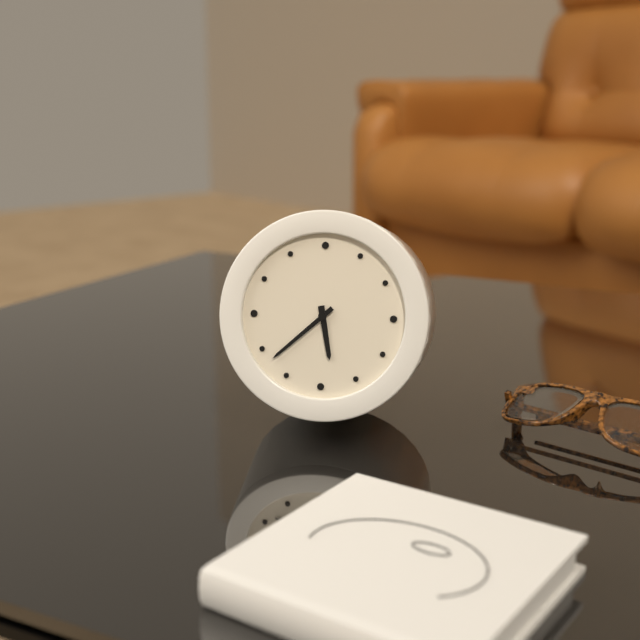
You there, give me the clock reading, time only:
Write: 5:38
